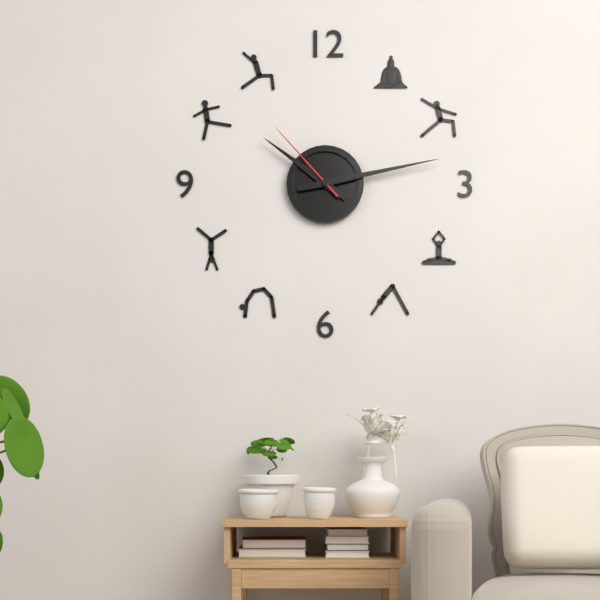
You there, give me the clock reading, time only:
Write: 10:13:53
